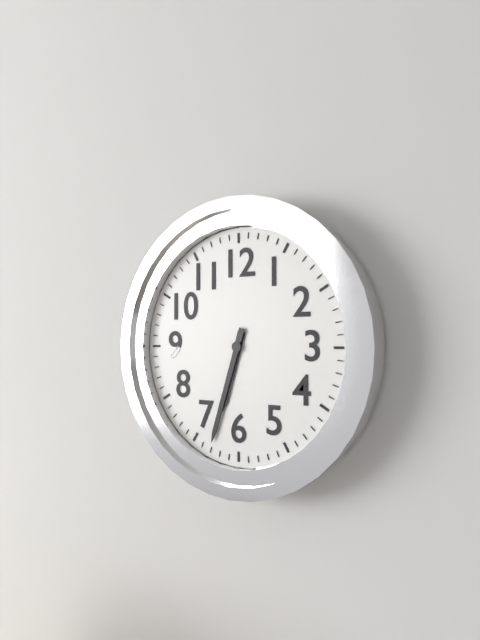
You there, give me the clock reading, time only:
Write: 6:33
